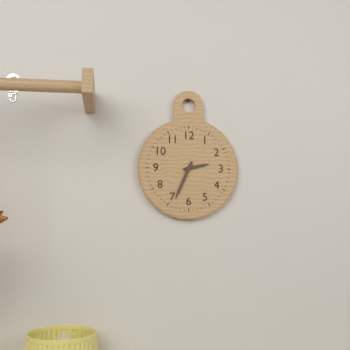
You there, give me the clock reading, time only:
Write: 2:34
